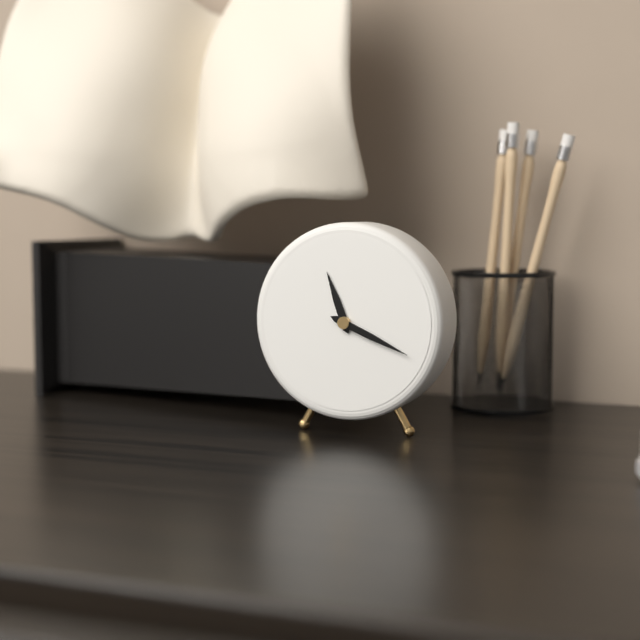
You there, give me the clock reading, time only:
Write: 11:19
